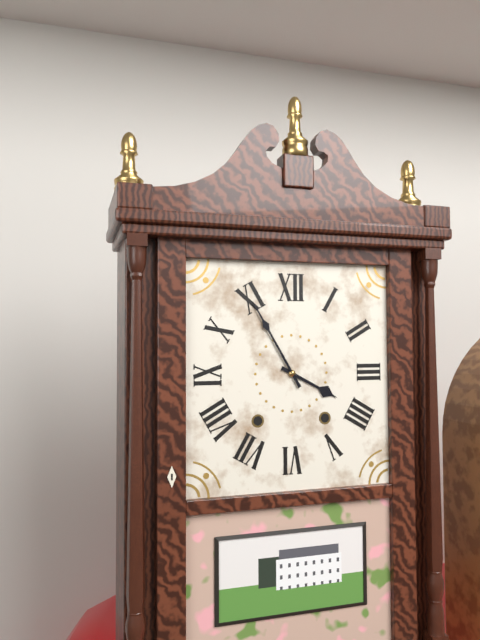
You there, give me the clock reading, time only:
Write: 3:55
